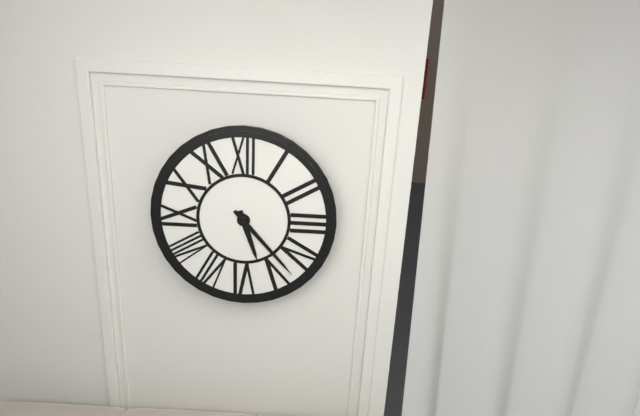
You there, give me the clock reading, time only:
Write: 5:23
